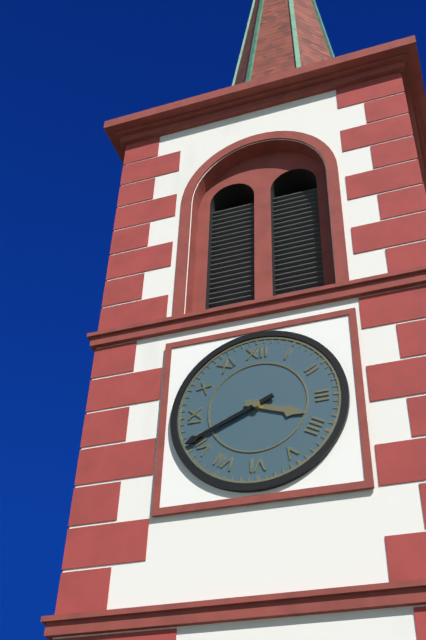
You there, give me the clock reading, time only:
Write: 3:41
